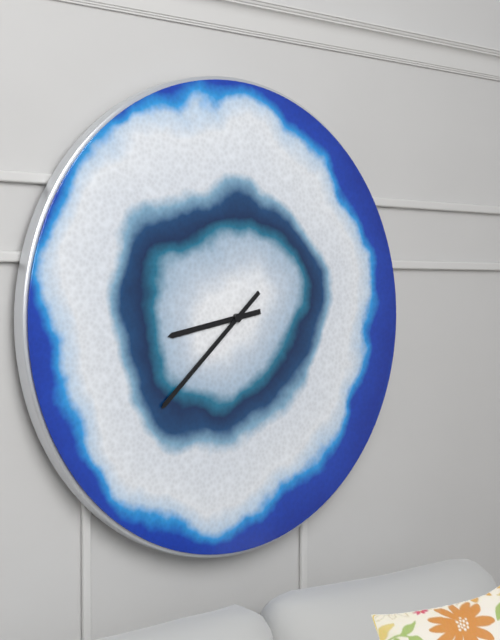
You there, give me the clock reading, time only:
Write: 8:38
